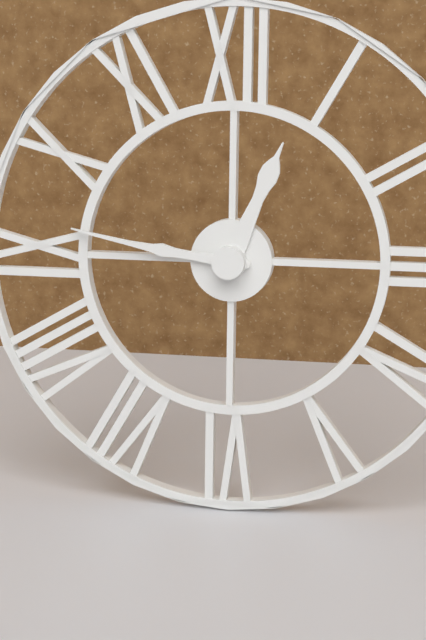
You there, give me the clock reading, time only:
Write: 12:46
